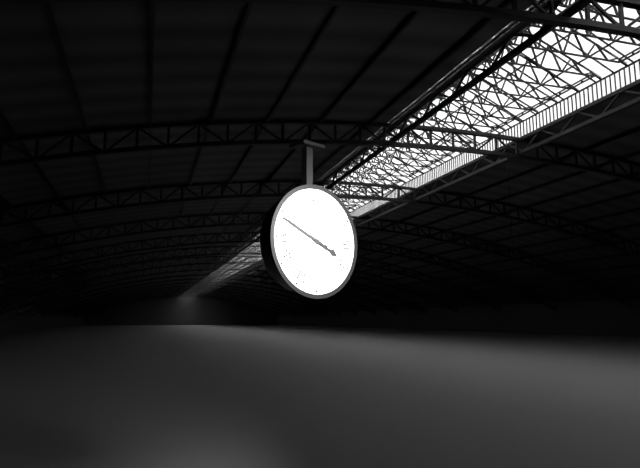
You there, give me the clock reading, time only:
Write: 3:49
